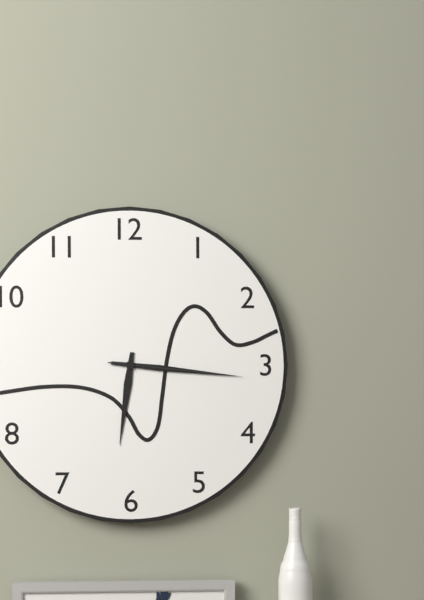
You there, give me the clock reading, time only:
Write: 6:16:16
